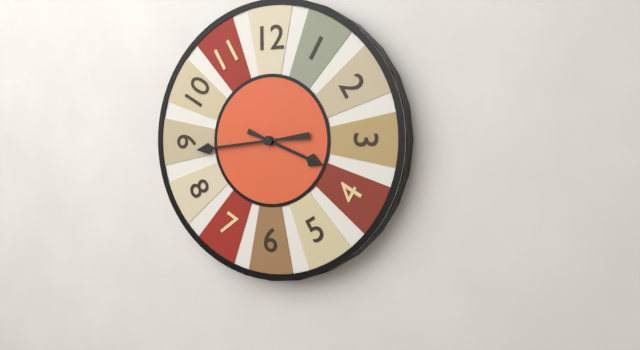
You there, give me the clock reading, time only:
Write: 3:44
